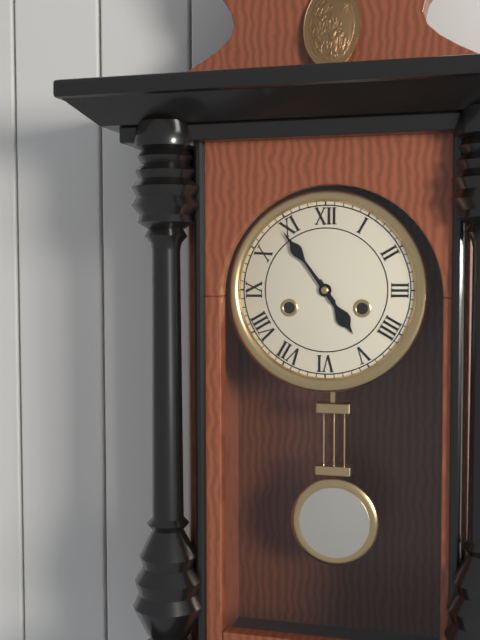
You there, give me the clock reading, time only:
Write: 4:54
